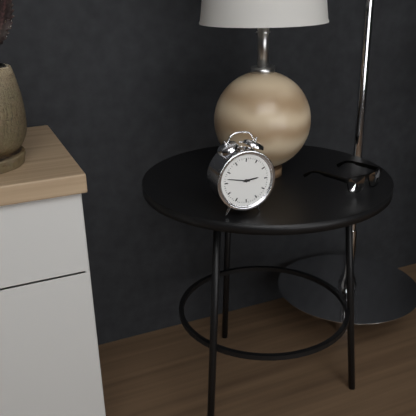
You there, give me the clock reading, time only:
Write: 2:47
